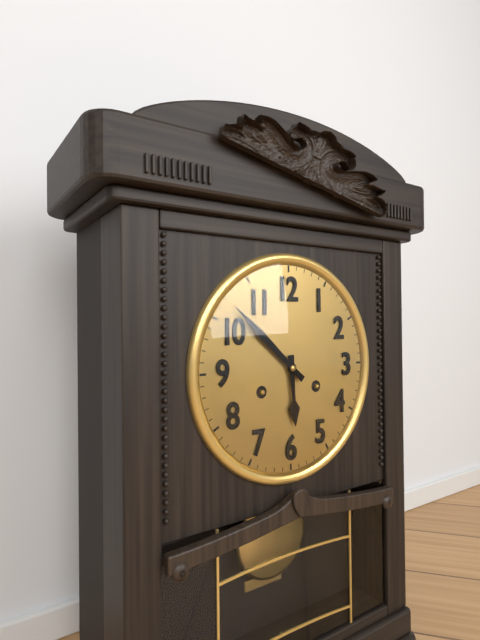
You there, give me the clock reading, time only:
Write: 5:52
